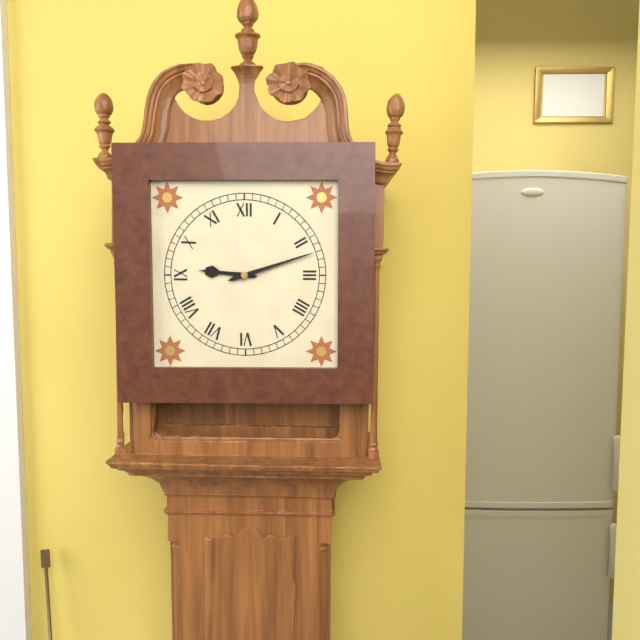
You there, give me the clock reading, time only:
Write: 9:12
